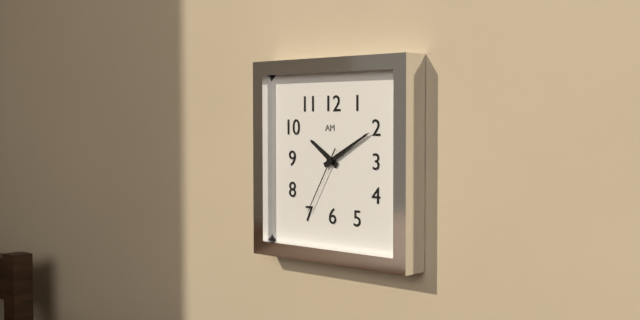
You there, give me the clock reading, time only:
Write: 10:10:35
